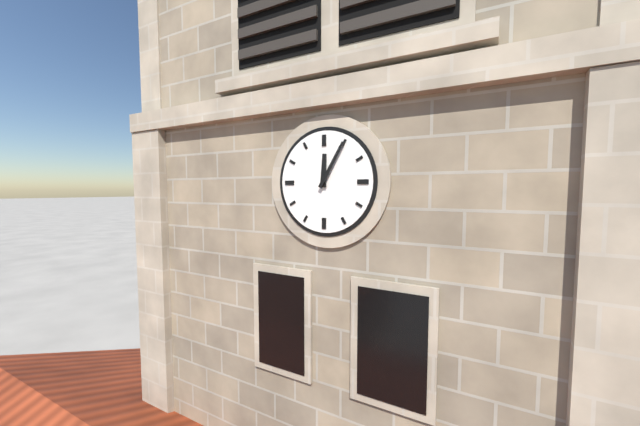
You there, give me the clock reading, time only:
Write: 12:05
